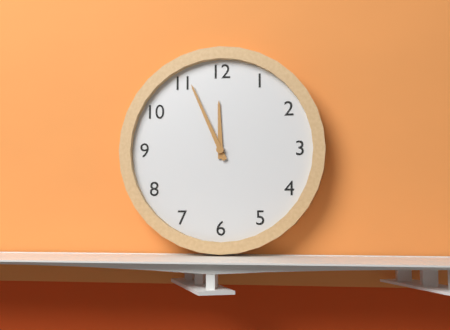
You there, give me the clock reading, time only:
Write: 11:56
